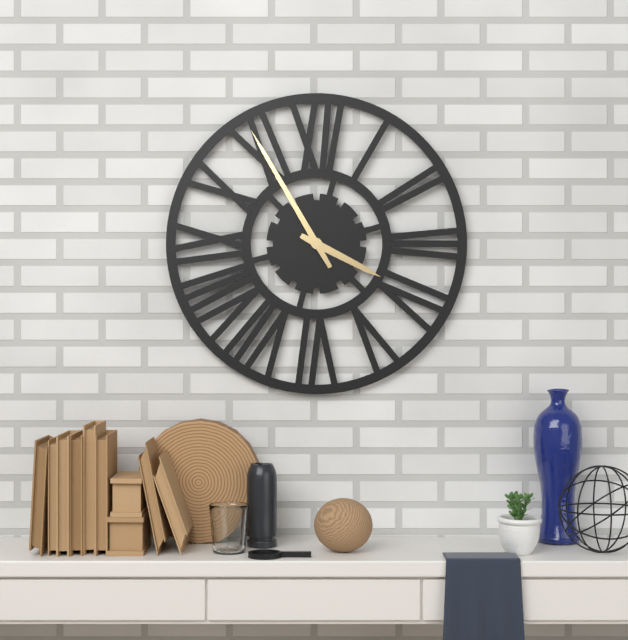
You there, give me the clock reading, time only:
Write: 3:55
